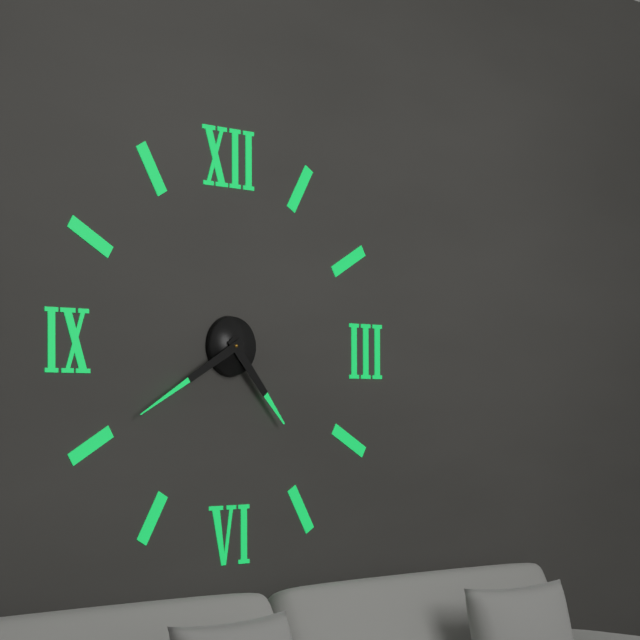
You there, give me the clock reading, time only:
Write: 4:40
